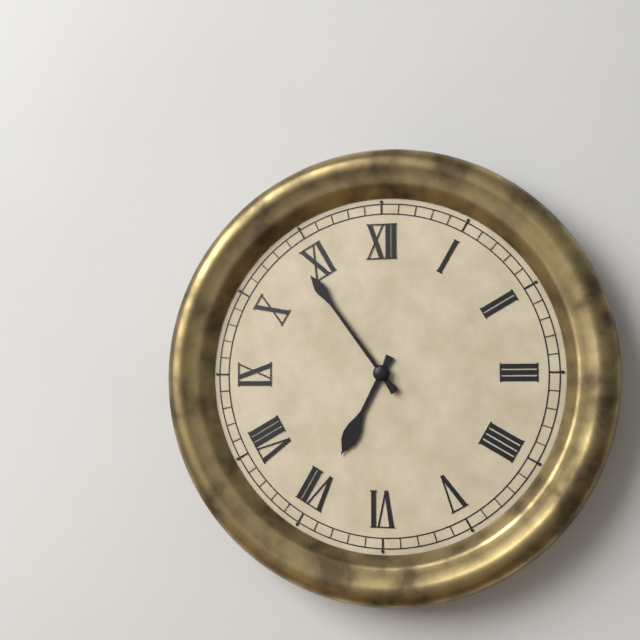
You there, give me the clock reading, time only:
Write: 6:54
